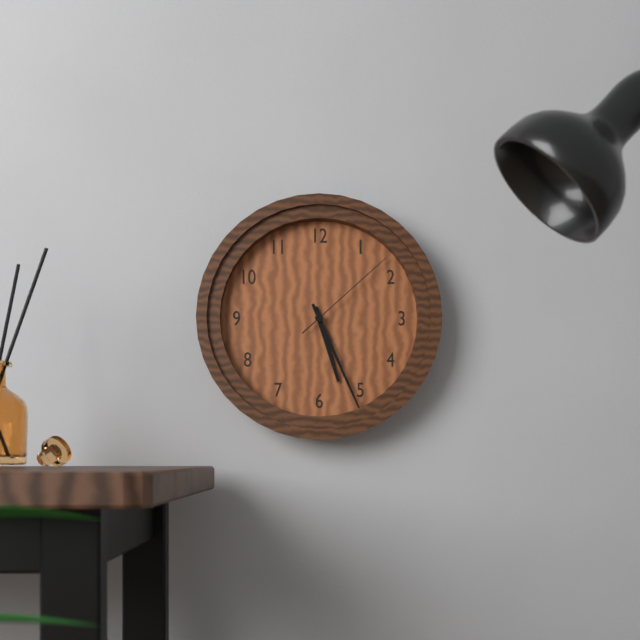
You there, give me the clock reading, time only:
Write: 5:26:08
